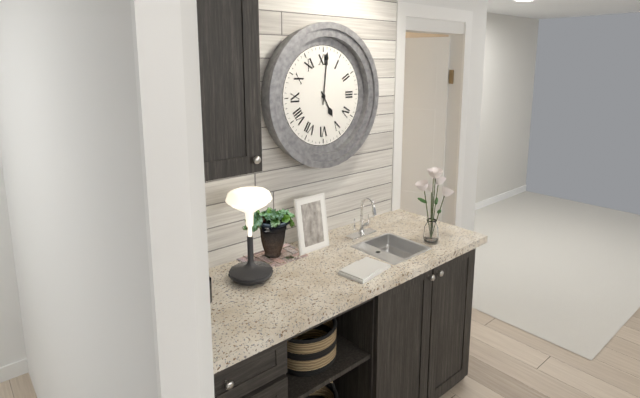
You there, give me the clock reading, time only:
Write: 5:01
